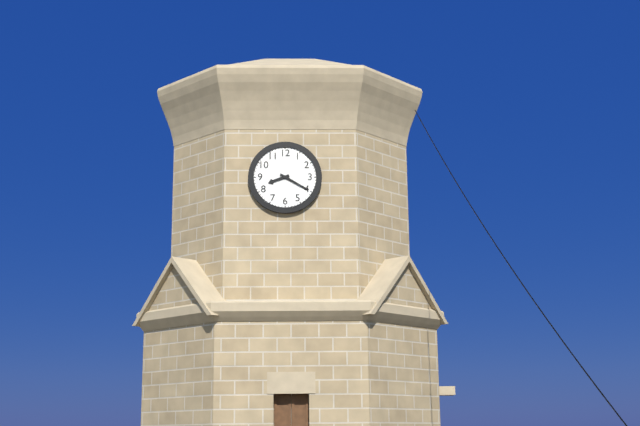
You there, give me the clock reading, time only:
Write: 8:20
